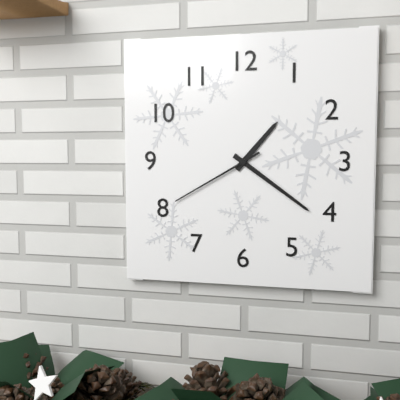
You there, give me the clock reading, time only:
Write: 1:21:40
